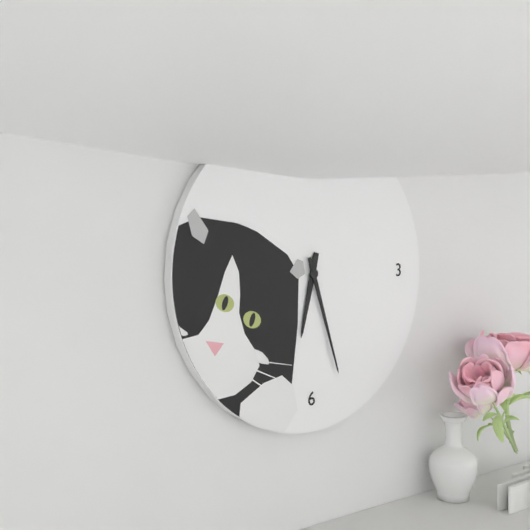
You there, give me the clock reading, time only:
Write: 6:27
